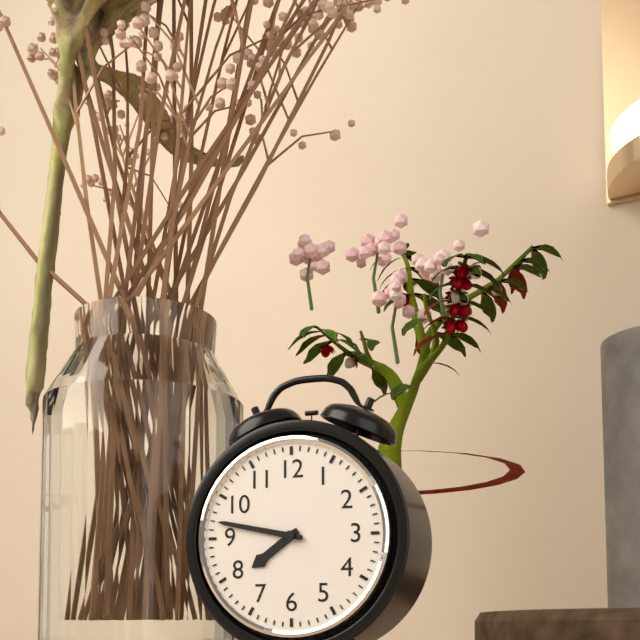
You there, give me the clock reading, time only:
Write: 7:47
